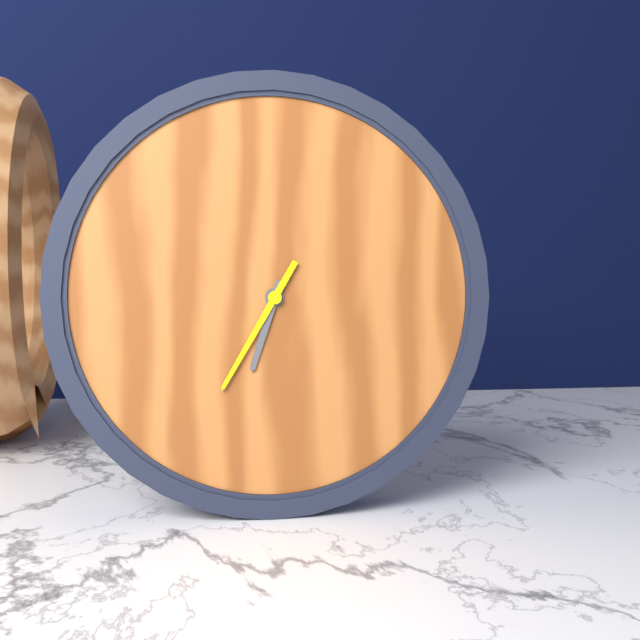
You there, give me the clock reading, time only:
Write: 6:35
